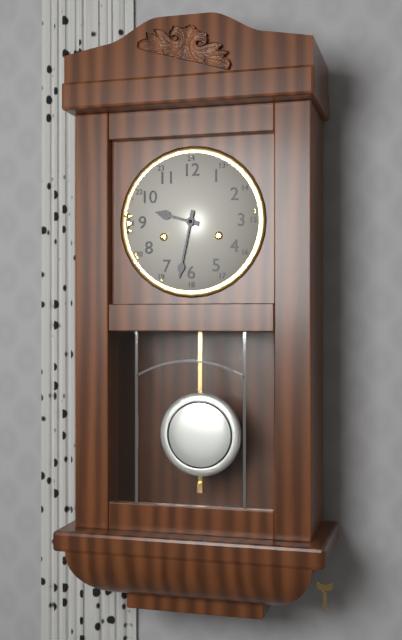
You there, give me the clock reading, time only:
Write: 9:32
